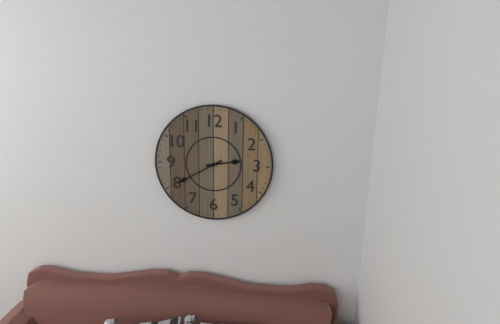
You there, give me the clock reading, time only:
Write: 2:40
